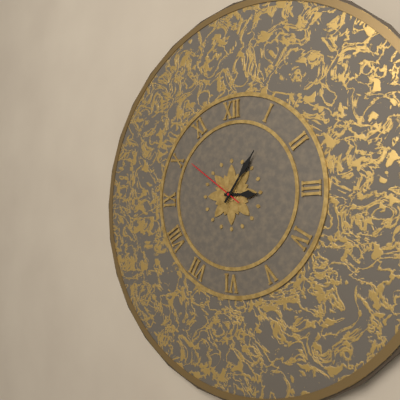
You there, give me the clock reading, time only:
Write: 3:06:51
